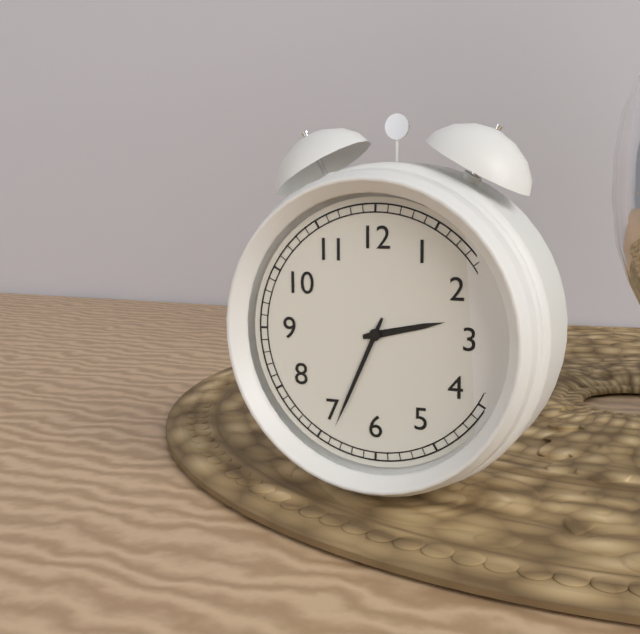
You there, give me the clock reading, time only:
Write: 2:34
